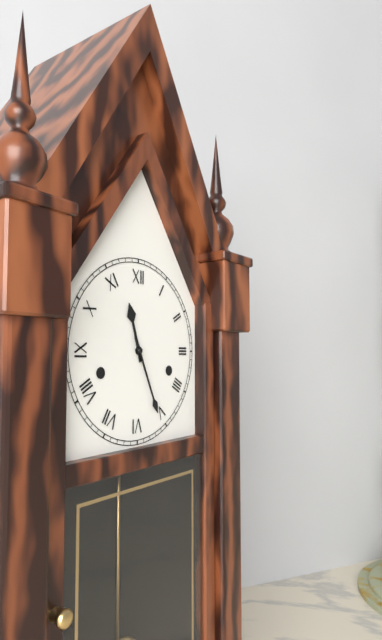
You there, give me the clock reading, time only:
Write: 11:26
